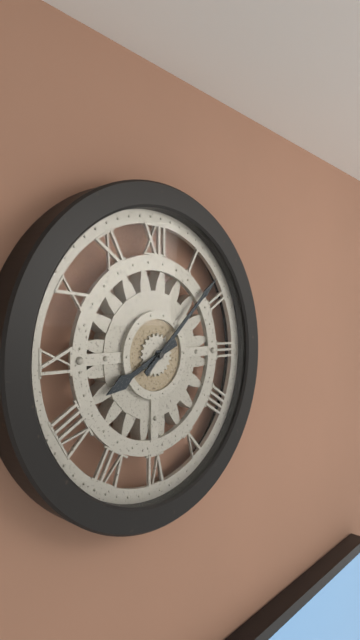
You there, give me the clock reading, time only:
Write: 8:08
